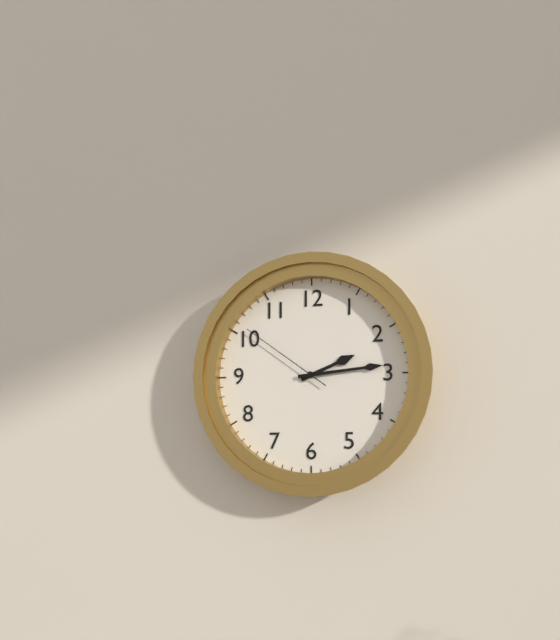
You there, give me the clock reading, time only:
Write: 2:14:51
